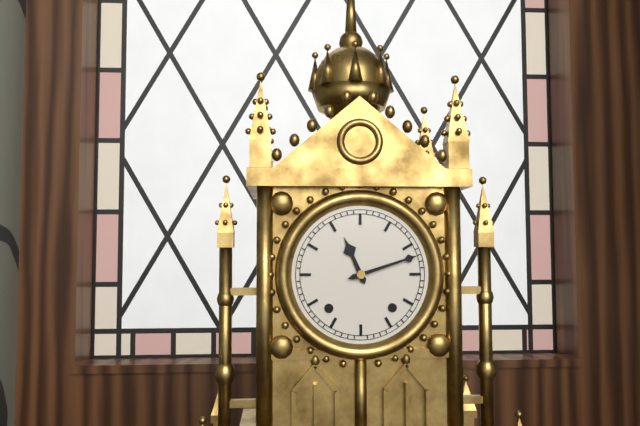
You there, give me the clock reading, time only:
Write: 11:12
